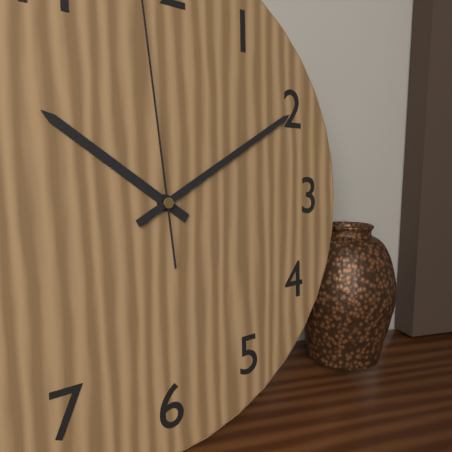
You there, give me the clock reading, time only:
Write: 10:10
